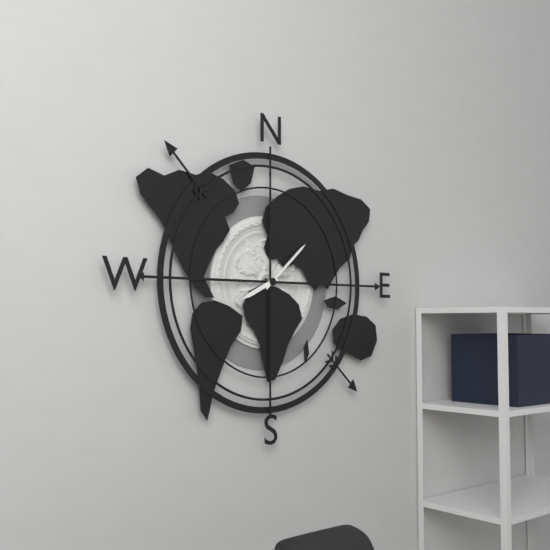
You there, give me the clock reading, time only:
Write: 8:08
